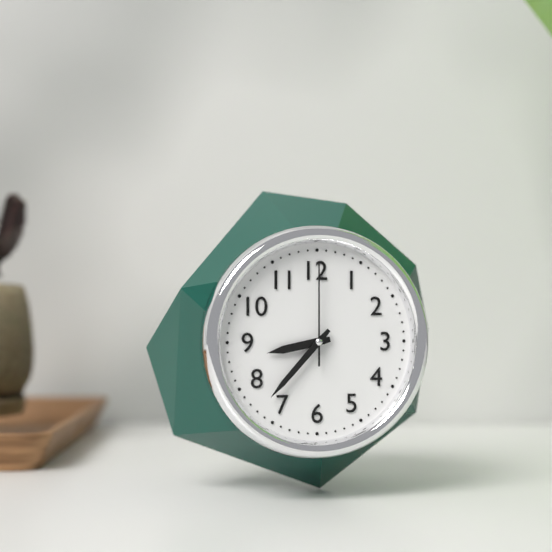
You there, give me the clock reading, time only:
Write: 8:37:00
